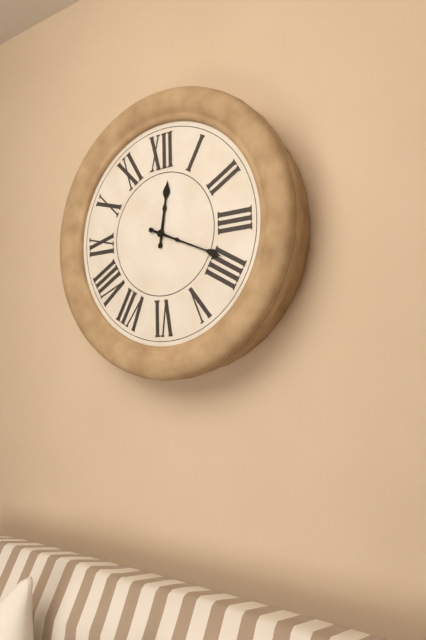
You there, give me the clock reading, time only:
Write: 12:19
